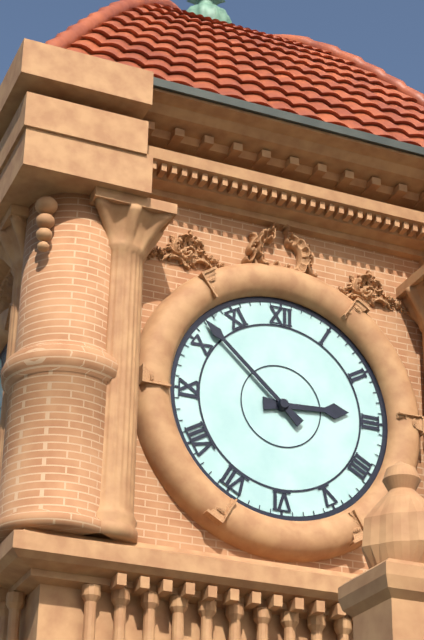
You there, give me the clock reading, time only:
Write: 2:52
